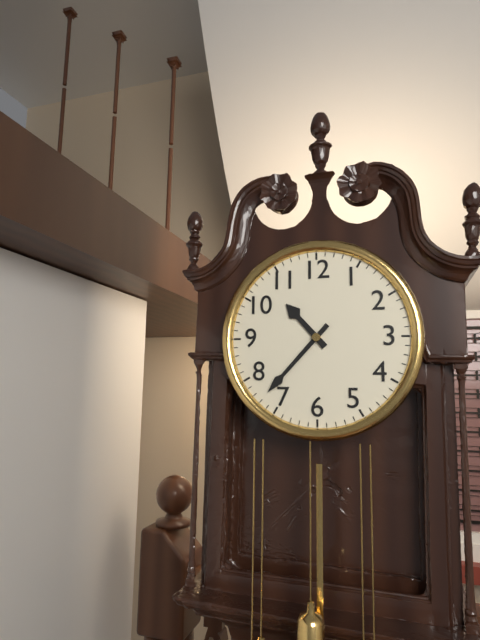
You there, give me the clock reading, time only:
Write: 10:37
